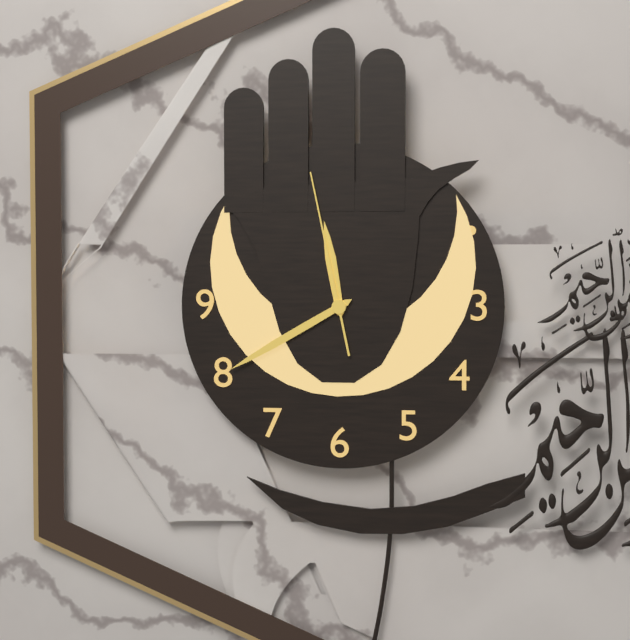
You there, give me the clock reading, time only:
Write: 11:40:58
